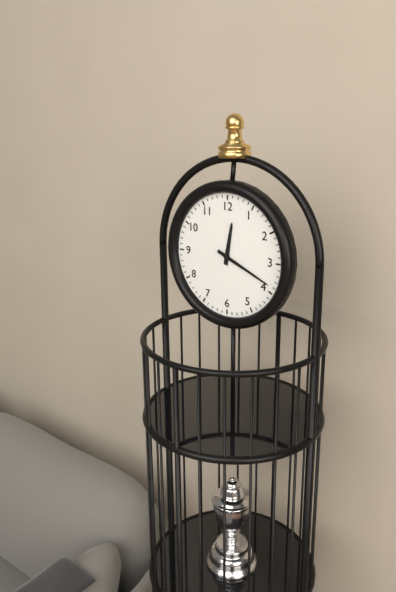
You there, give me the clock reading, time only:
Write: 12:19
